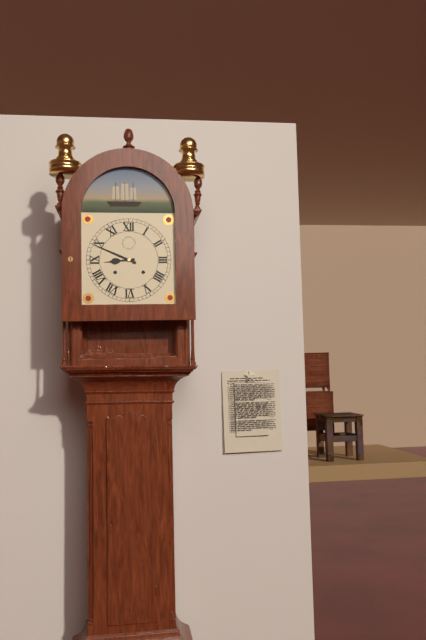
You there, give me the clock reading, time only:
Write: 8:49
